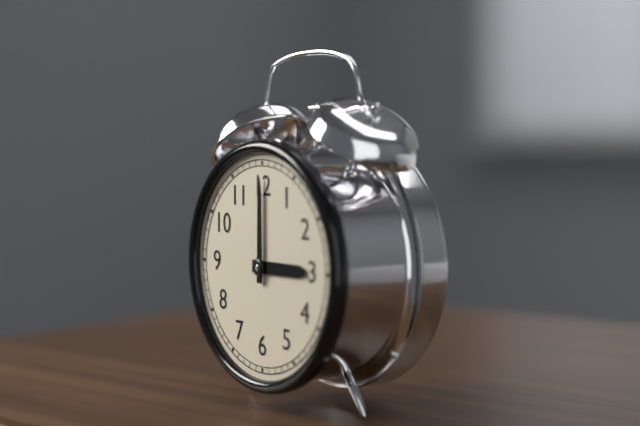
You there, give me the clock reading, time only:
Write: 3:00
